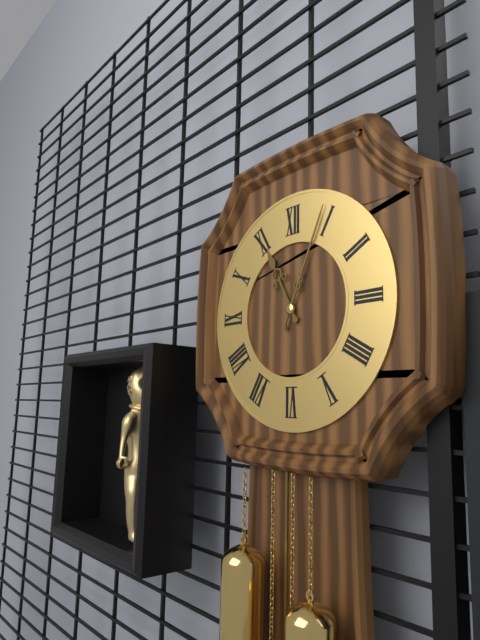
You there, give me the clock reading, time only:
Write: 11:04
